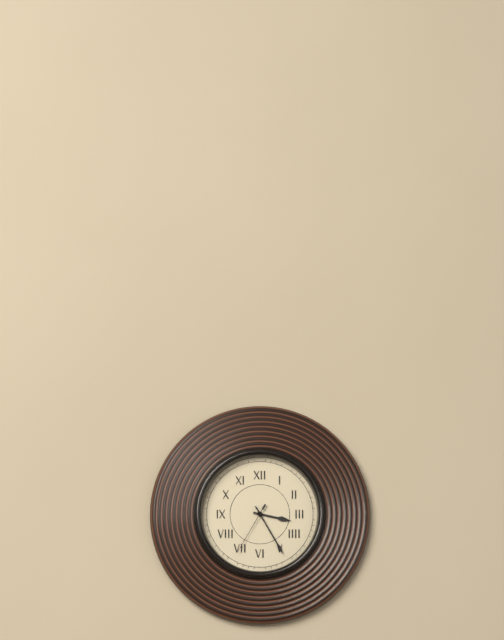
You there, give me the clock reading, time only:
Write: 3:25:35
